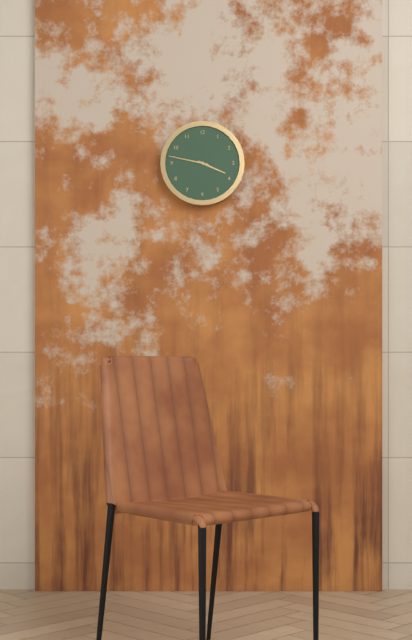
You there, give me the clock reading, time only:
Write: 3:47
